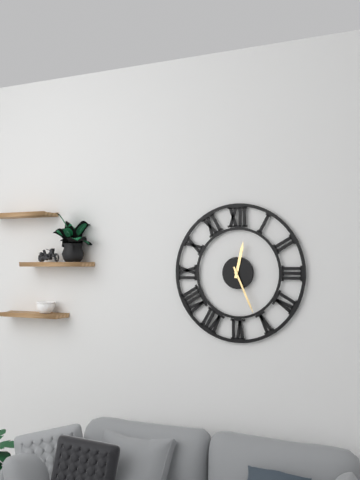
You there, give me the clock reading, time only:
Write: 12:26
